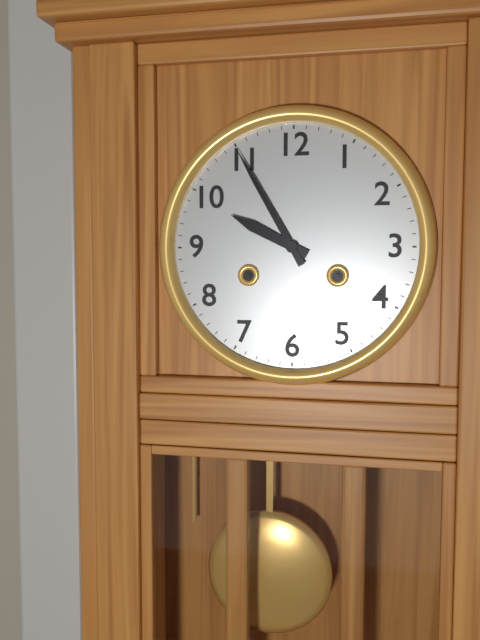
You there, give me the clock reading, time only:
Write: 9:55
